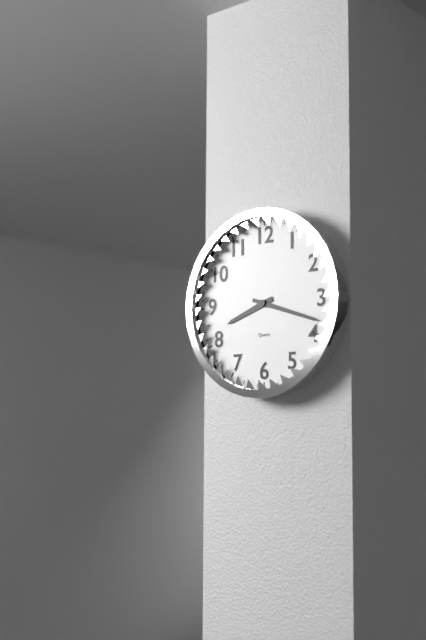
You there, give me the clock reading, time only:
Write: 8:18
